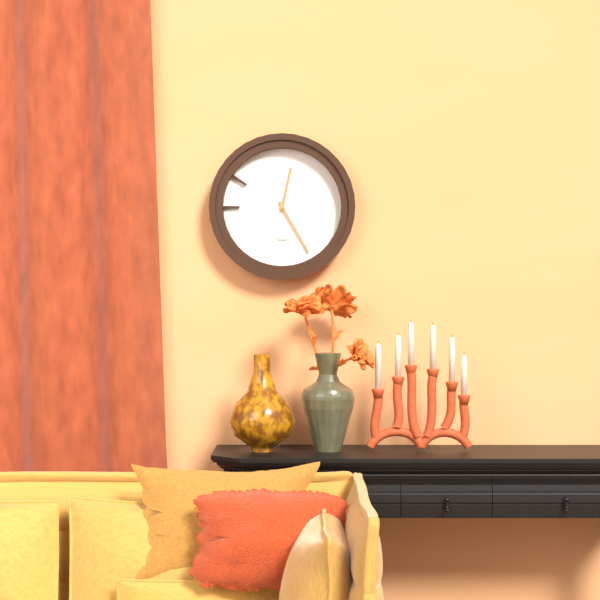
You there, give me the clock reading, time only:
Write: 12:25
